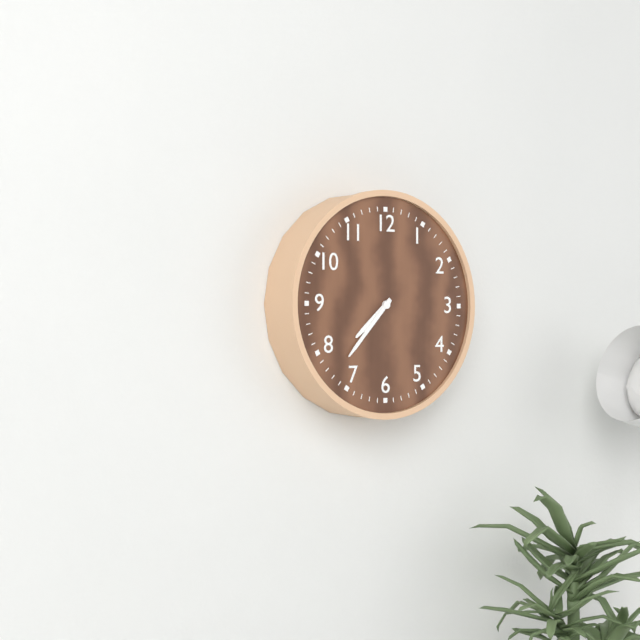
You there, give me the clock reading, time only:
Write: 7:37
